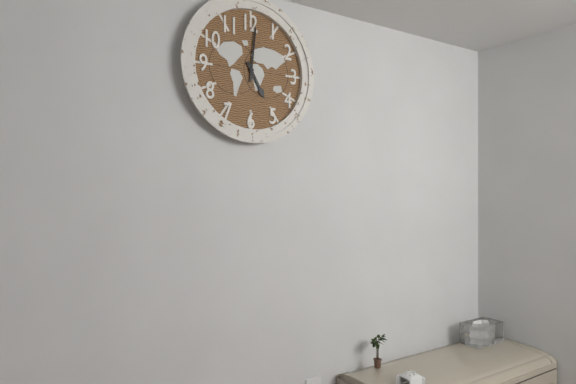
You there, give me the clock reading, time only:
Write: 5:01
